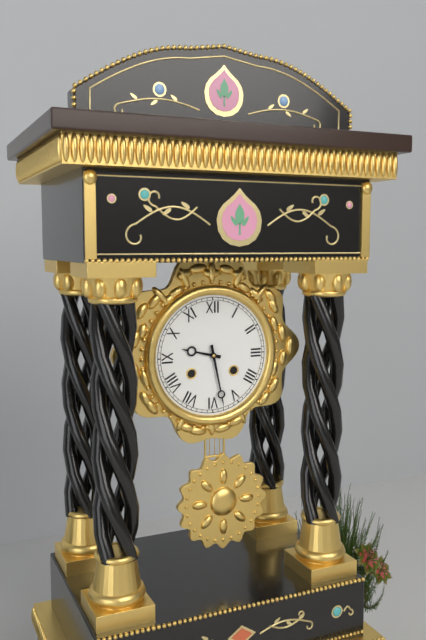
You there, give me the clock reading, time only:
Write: 9:28
